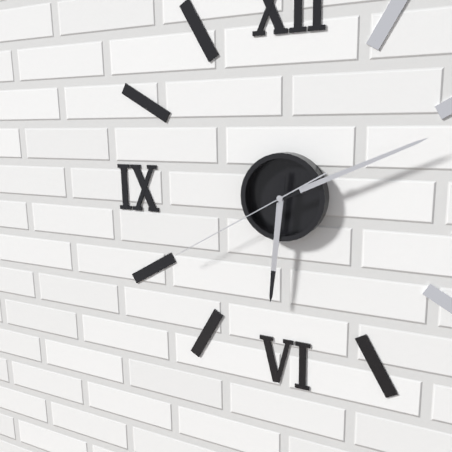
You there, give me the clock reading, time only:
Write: 6:11:40
